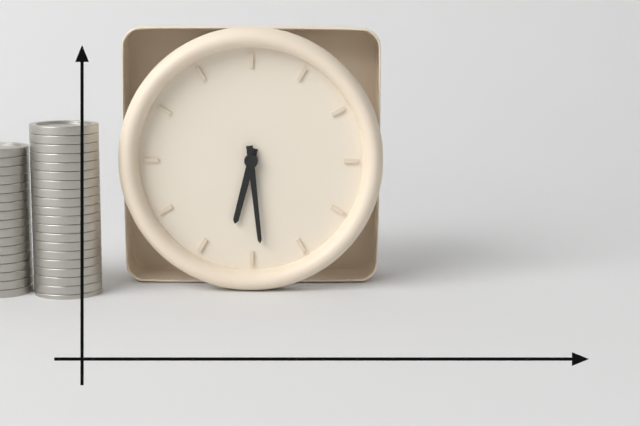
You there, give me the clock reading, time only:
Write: 6:29
